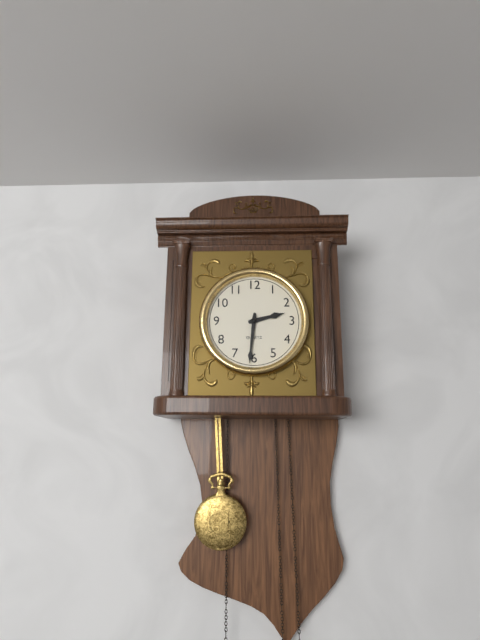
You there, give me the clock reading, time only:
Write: 2:31
